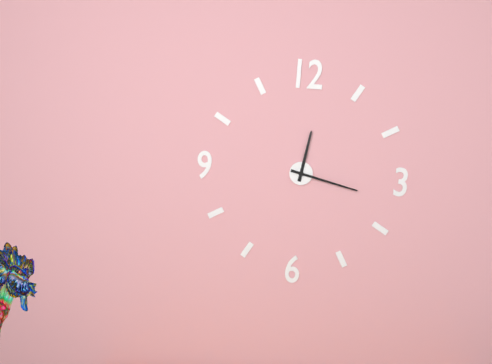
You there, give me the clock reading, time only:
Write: 12:17
